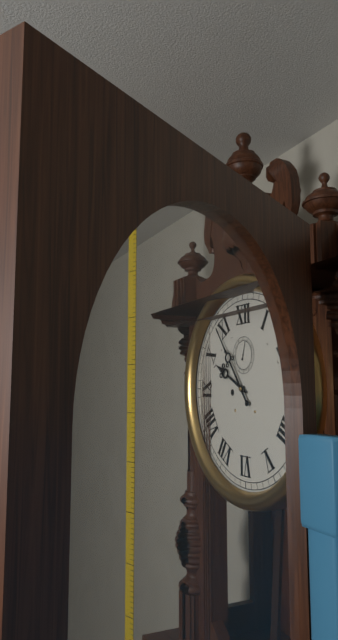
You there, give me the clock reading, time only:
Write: 9:54
